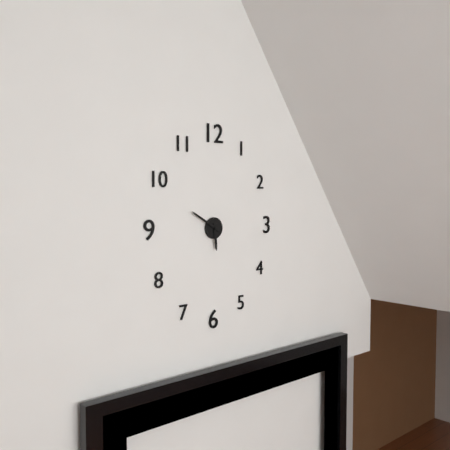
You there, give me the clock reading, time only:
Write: 5:50
